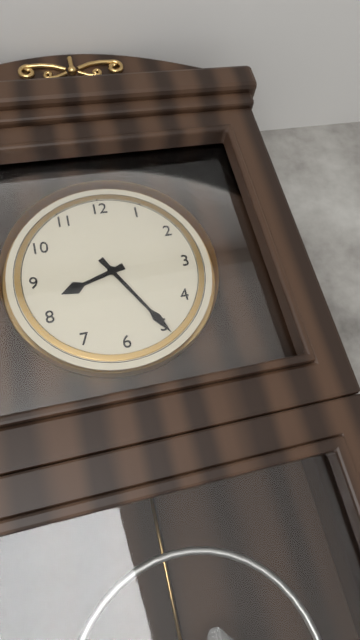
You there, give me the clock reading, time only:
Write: 8:25
